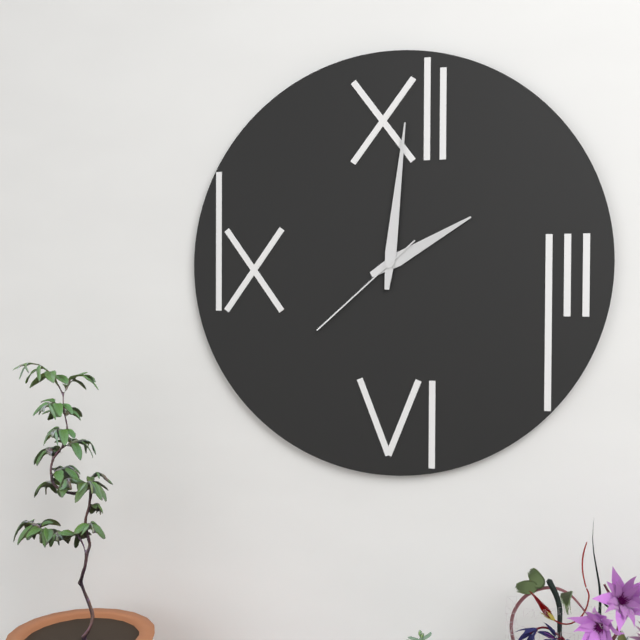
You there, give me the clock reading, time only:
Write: 2:01:38
